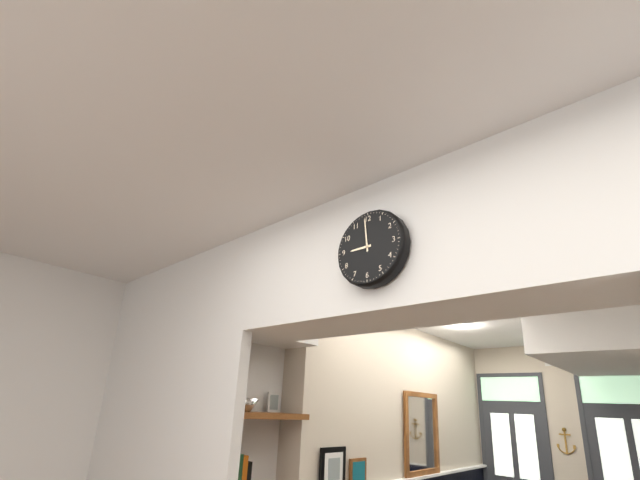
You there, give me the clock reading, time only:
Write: 8:59
